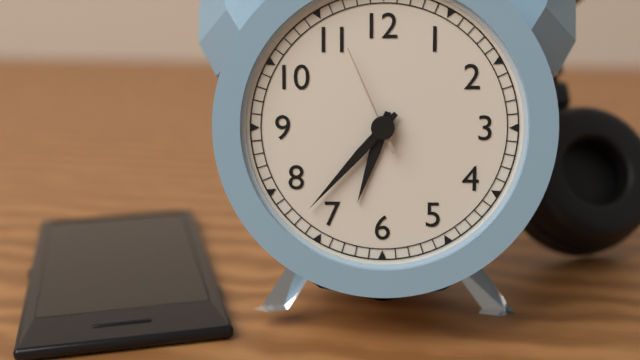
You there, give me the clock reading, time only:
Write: 6:37:56
